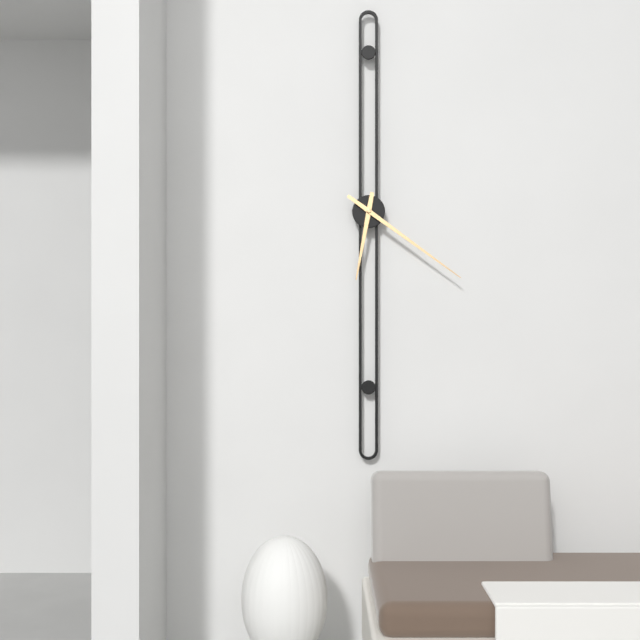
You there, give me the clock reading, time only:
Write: 6:21
